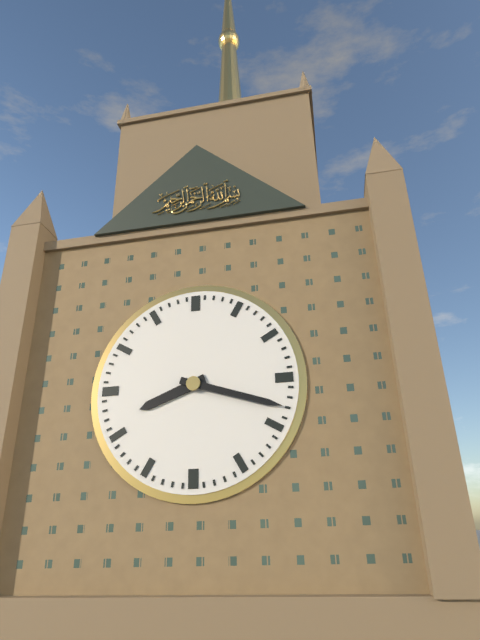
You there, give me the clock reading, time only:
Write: 8:18
